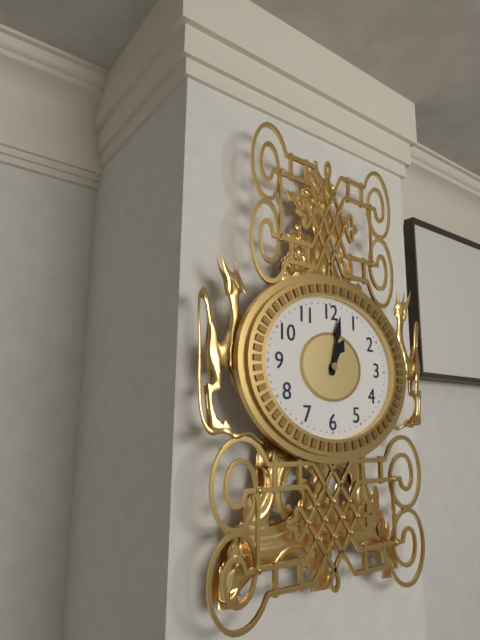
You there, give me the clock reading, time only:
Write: 1:02
